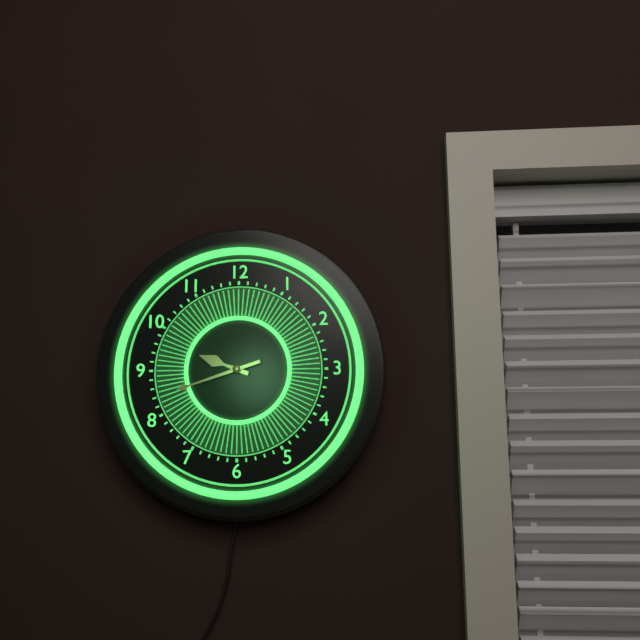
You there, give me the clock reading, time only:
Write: 9:42
